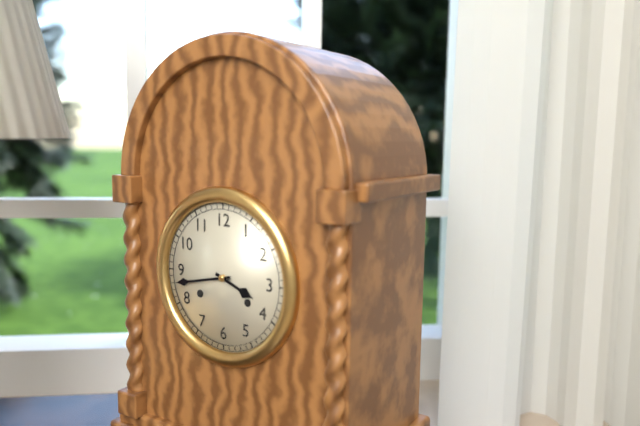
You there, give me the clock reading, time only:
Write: 3:43
